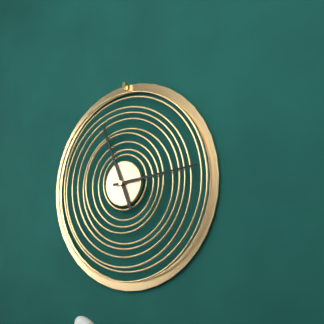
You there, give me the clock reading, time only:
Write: 11:14
